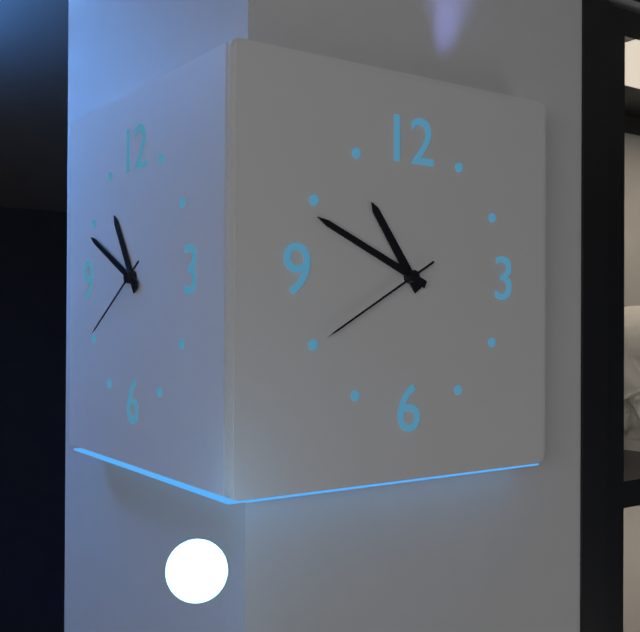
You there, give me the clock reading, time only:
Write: 10:49:40
